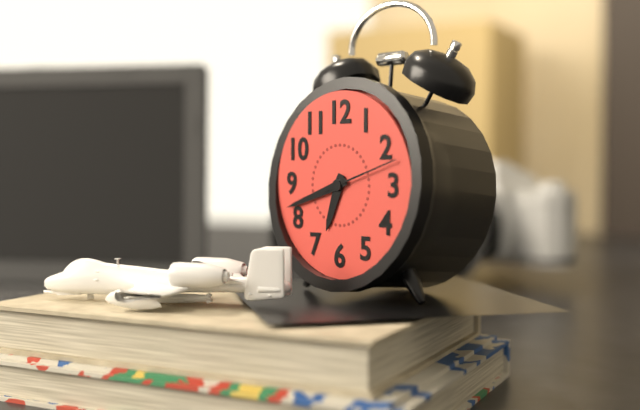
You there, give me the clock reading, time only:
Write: 6:42:12
